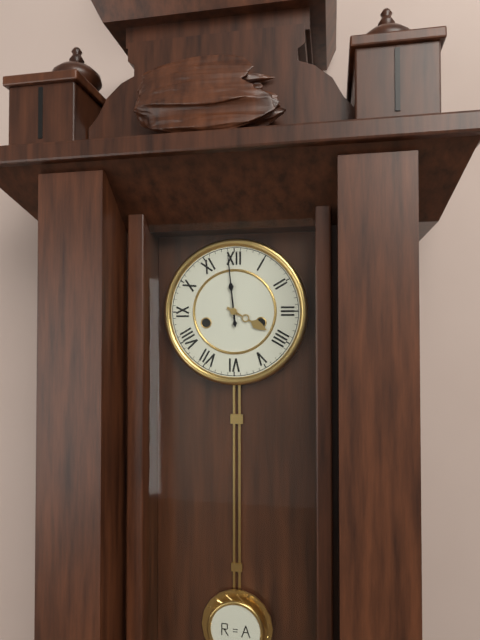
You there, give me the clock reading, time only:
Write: 3:59
